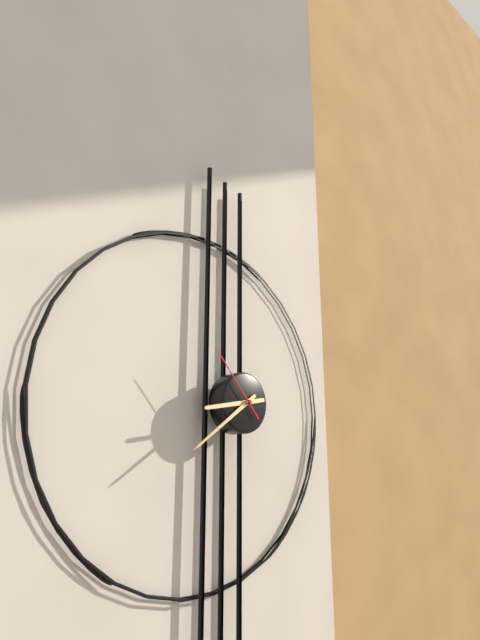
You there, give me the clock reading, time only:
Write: 8:39:53
